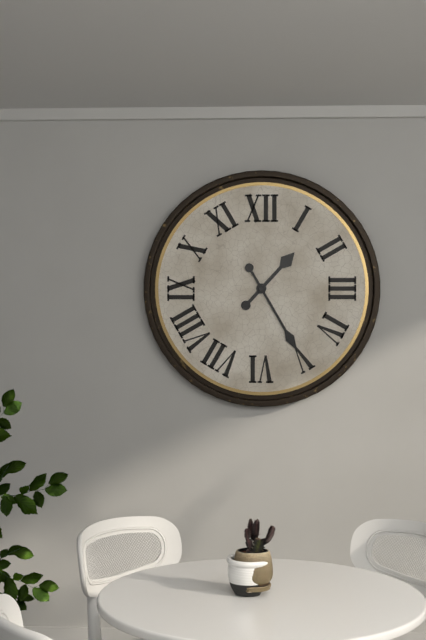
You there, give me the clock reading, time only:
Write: 1:25
